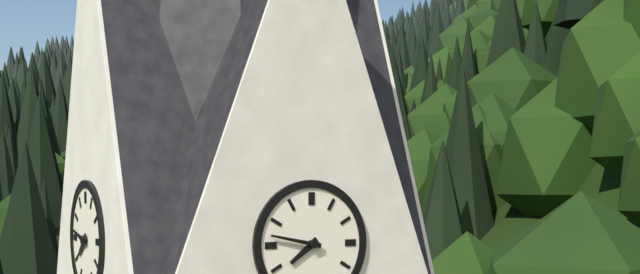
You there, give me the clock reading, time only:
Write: 7:47
